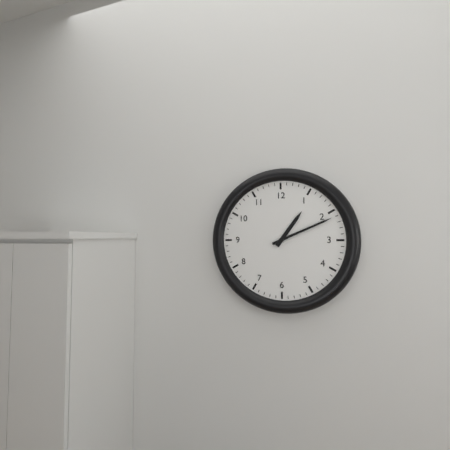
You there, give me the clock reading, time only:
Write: 1:11
